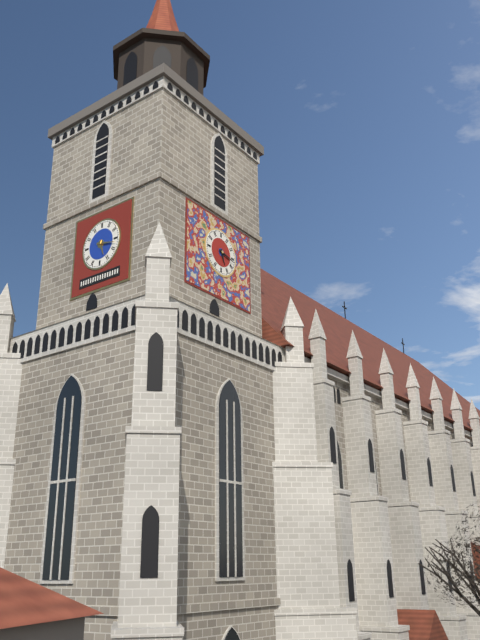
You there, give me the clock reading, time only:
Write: 5:17
